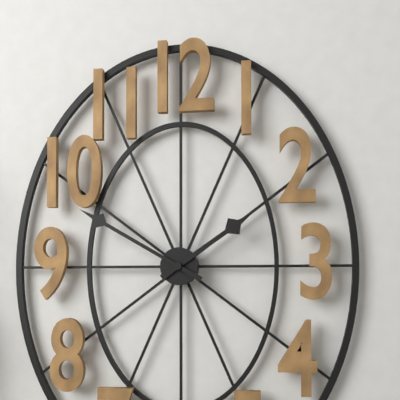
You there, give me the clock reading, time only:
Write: 1:50
